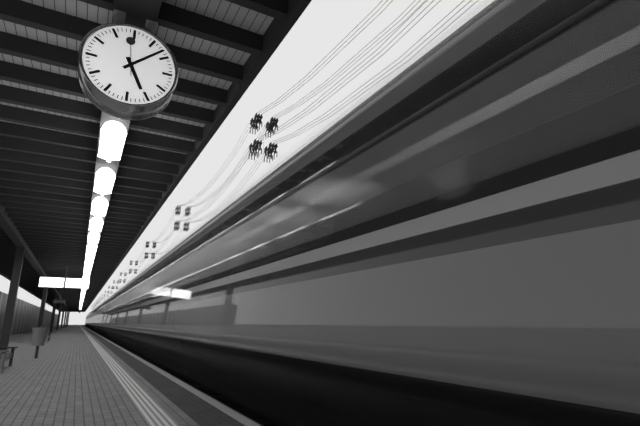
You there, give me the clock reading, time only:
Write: 5:08
